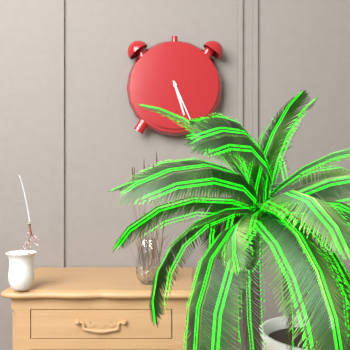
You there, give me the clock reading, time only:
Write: 5:26
